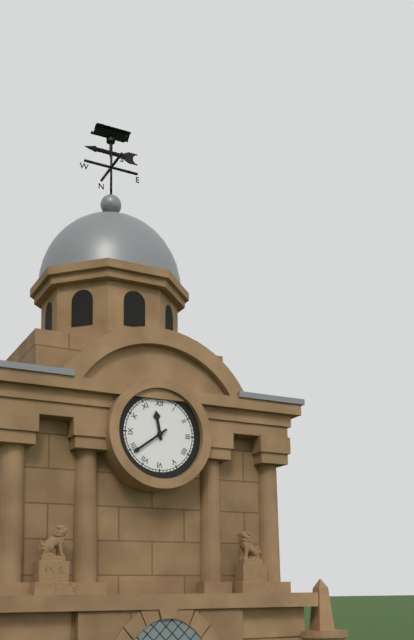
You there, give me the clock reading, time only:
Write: 11:39
